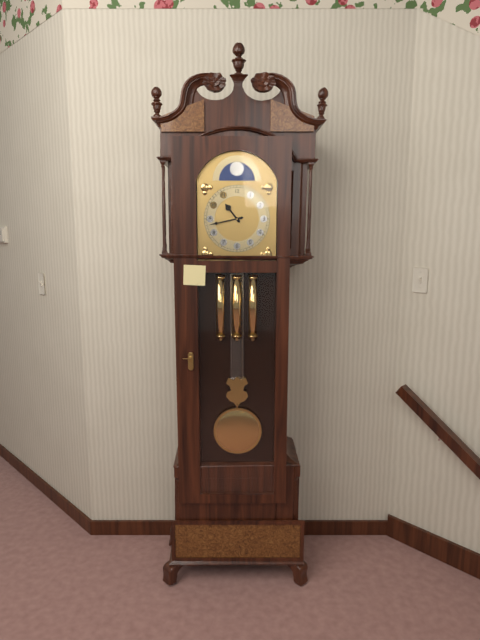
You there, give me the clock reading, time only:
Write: 10:43
